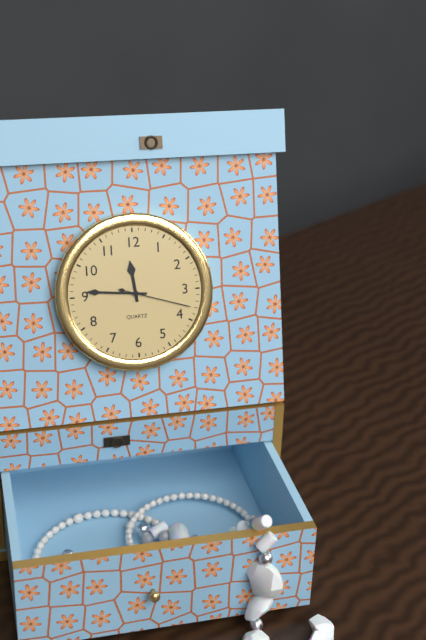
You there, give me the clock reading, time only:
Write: 11:46:18
